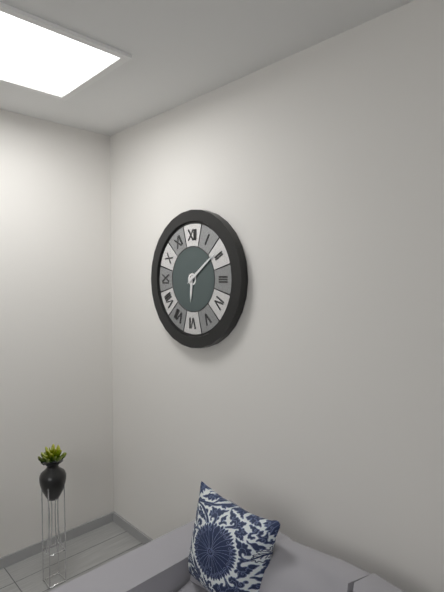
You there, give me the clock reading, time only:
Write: 6:09
